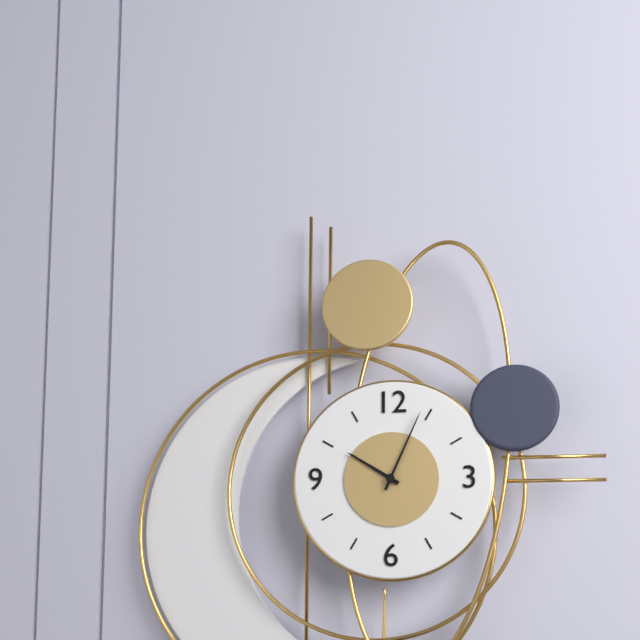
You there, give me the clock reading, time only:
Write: 10:04
